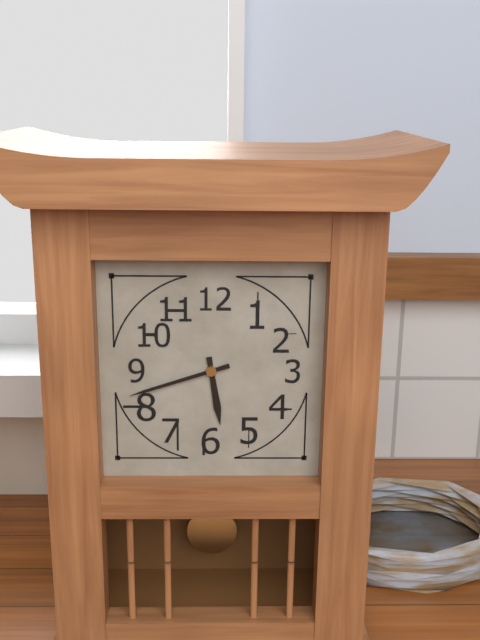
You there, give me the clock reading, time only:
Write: 5:42
